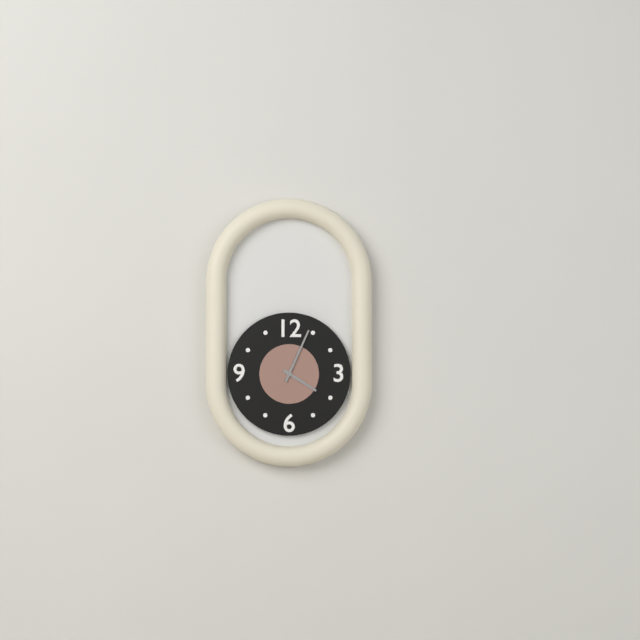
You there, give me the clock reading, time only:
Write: 4:04
